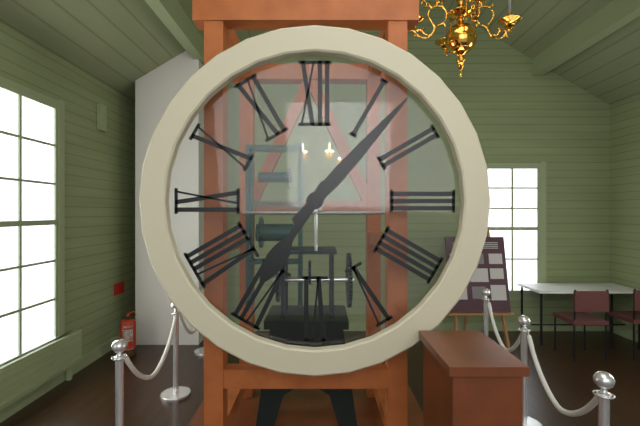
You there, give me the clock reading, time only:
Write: 7:07
